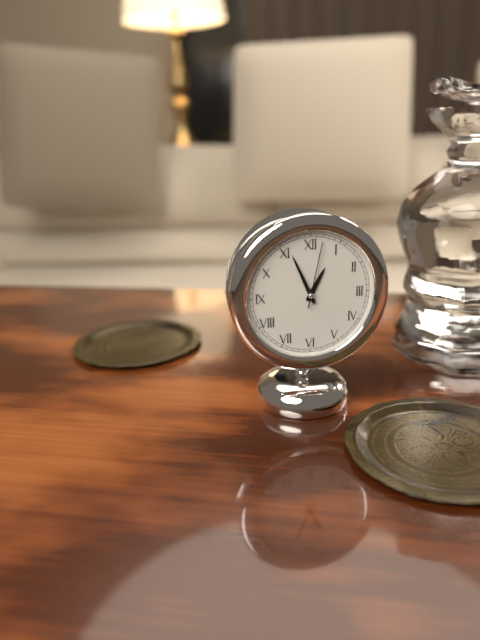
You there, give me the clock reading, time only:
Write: 12:56:02
